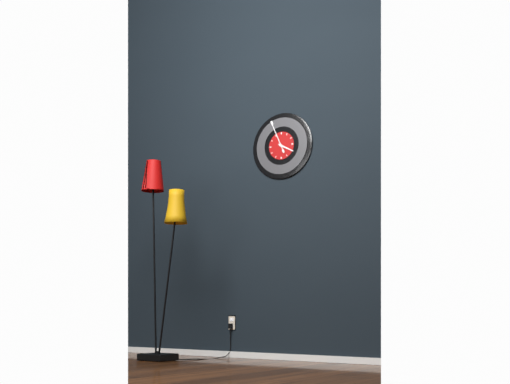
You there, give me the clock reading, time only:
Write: 3:56
